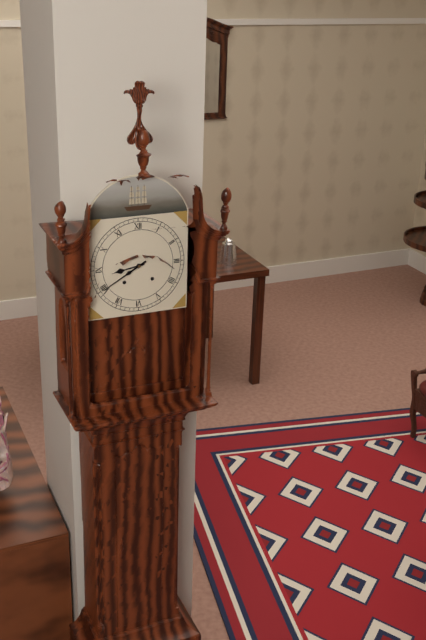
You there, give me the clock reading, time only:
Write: 8:40
